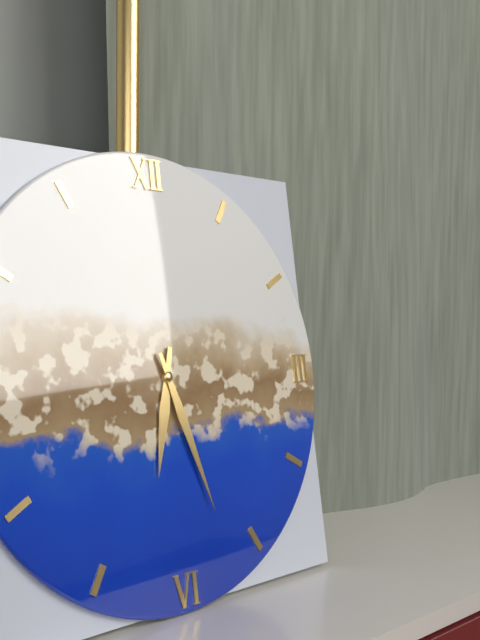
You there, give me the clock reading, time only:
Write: 6:27
